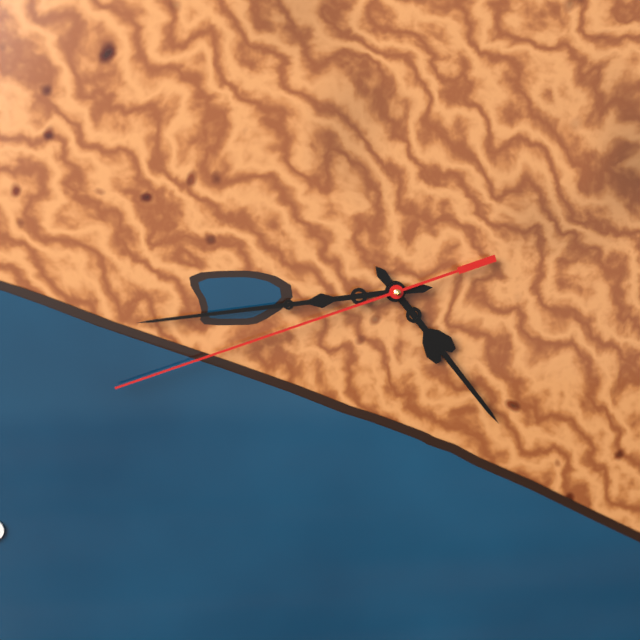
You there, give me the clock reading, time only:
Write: 4:44:42
